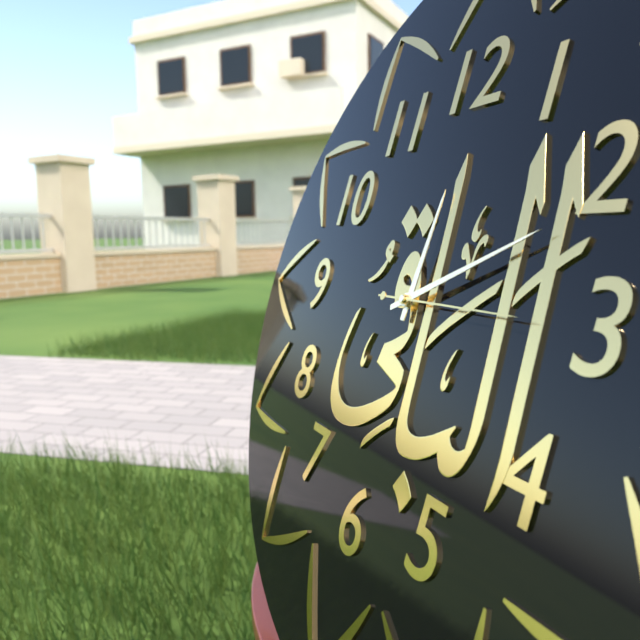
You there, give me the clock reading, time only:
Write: 12:11:15
